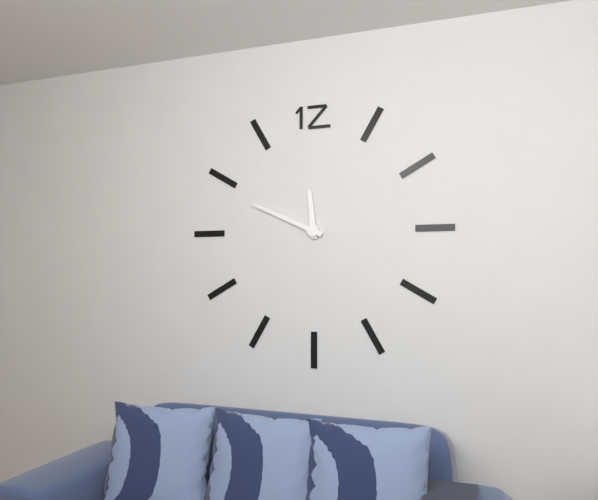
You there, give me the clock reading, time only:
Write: 11:49
